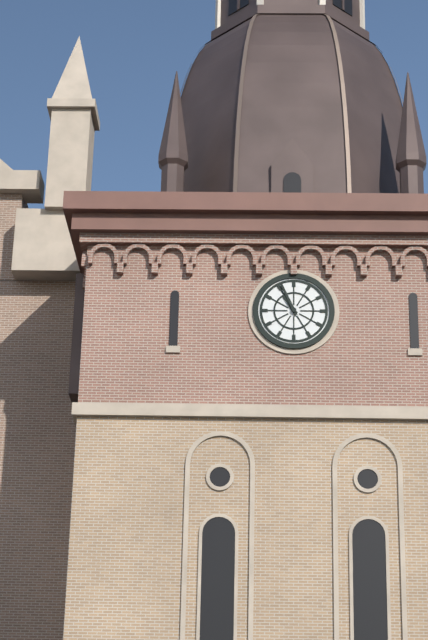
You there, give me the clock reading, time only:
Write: 10:56
